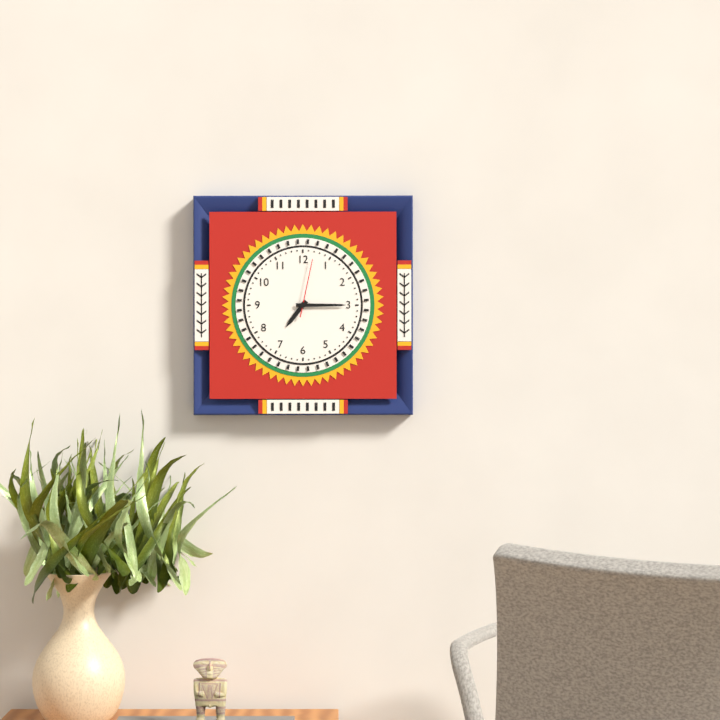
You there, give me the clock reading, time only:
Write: 7:15:02
